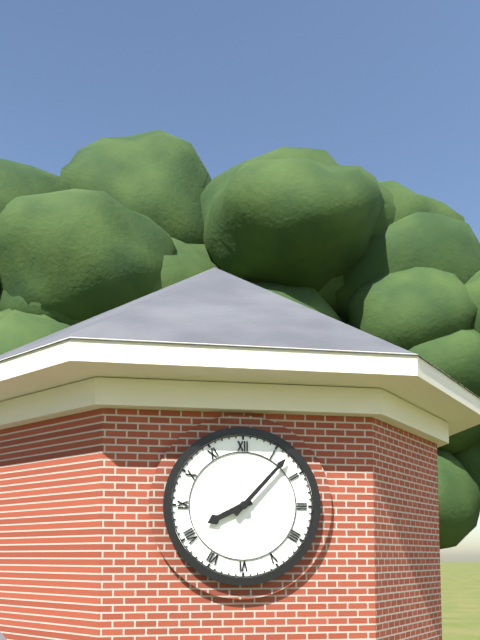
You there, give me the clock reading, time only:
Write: 8:07
